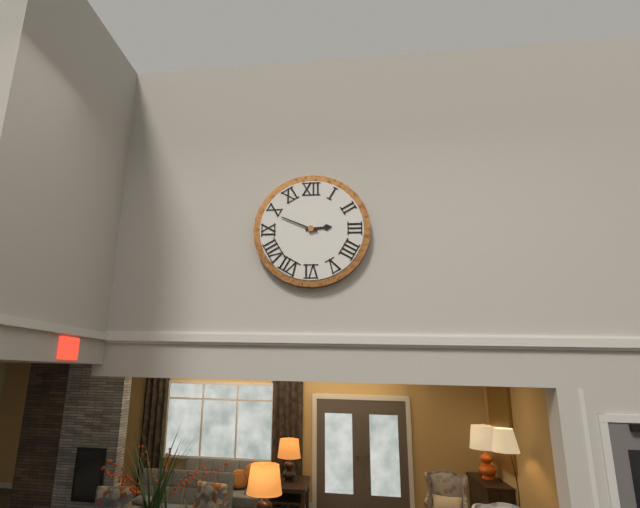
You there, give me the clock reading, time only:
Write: 2:49
